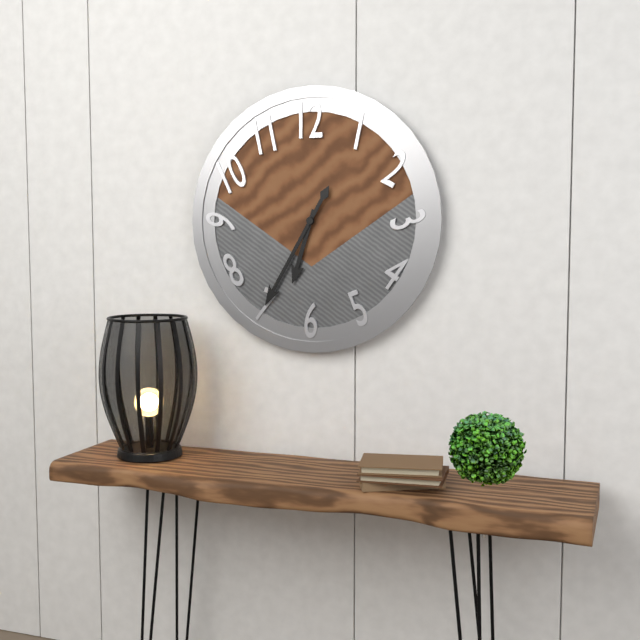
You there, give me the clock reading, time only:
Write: 6:35
